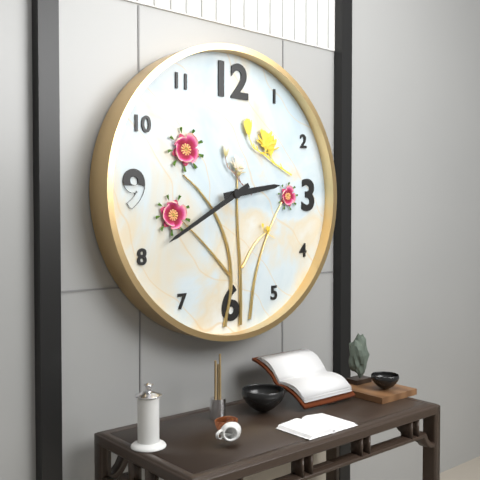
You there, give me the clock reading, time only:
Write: 2:40
